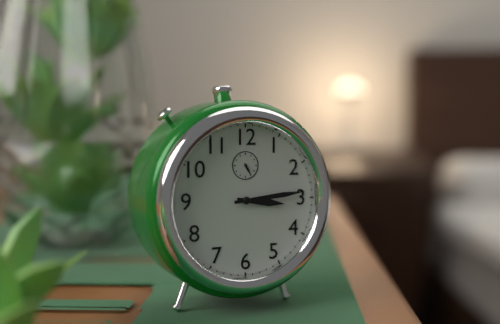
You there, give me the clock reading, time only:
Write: 3:14
